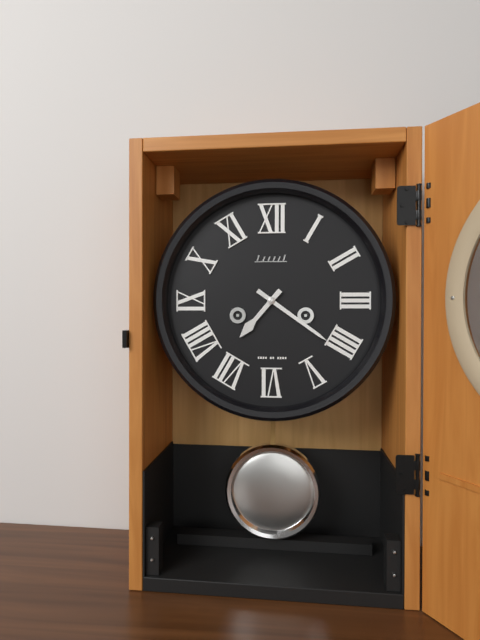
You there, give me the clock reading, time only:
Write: 7:21
